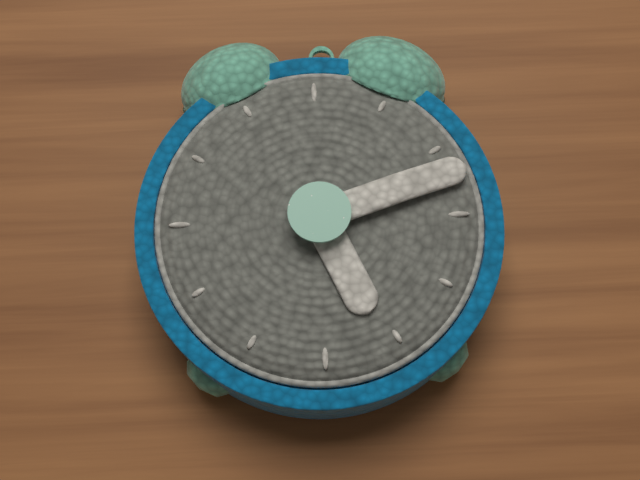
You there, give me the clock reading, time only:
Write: 5:12
